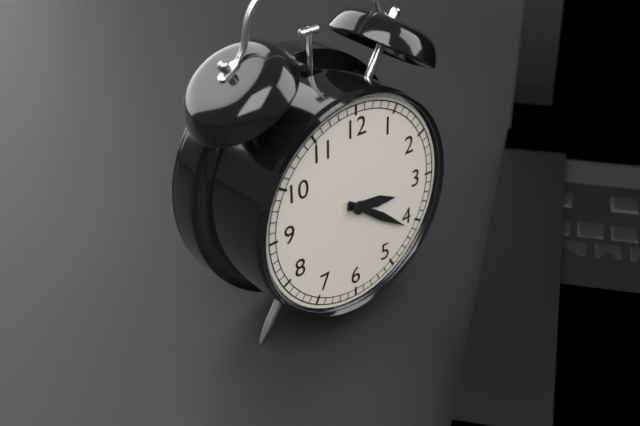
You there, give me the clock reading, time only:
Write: 3:21:21
